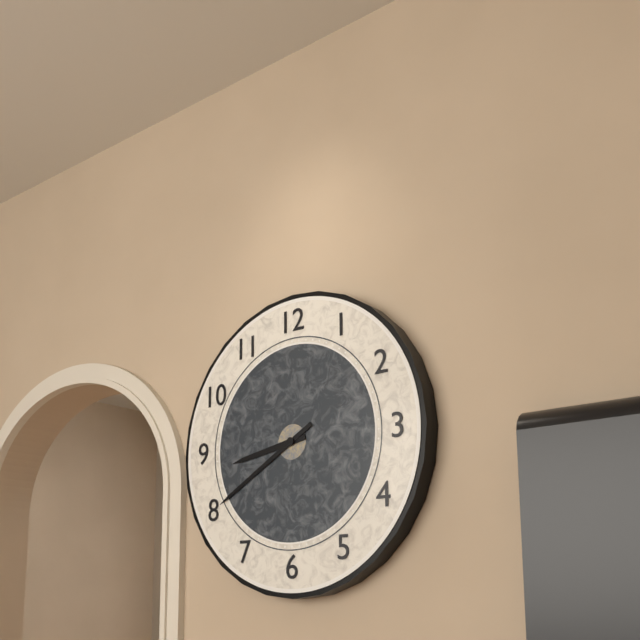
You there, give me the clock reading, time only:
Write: 8:40
